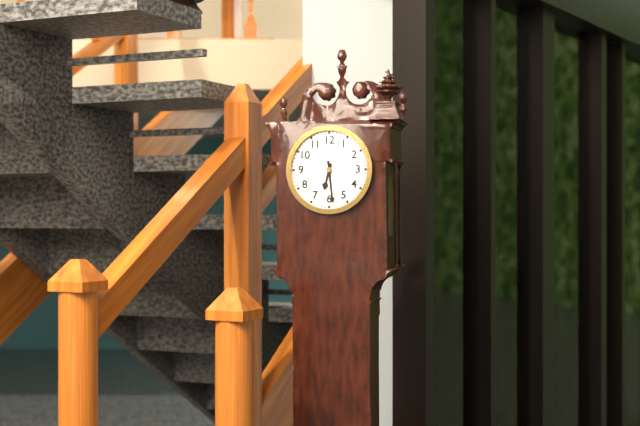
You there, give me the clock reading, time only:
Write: 6:29
